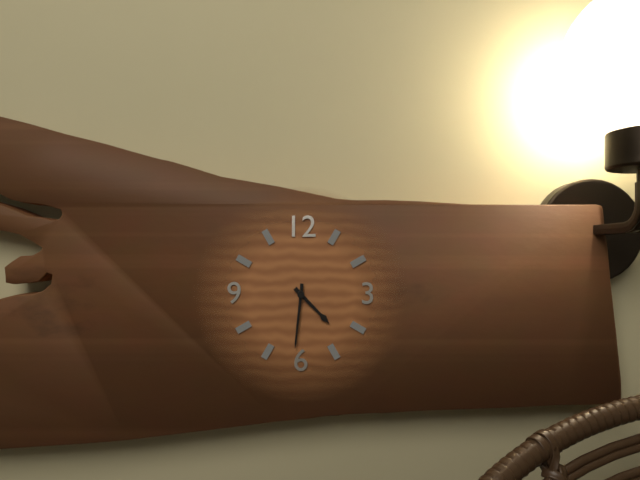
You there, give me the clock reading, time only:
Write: 4:31
